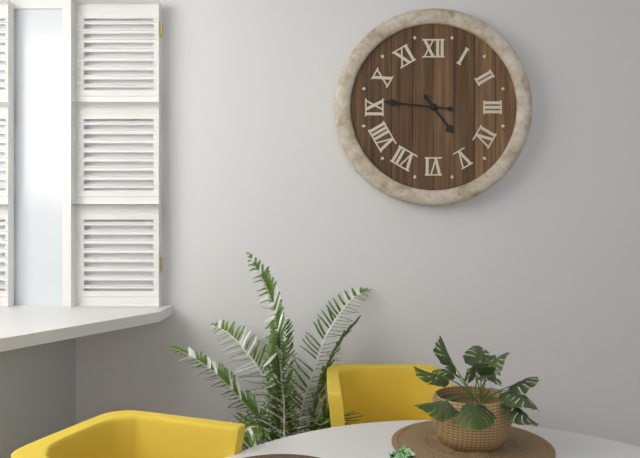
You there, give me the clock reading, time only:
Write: 4:46
